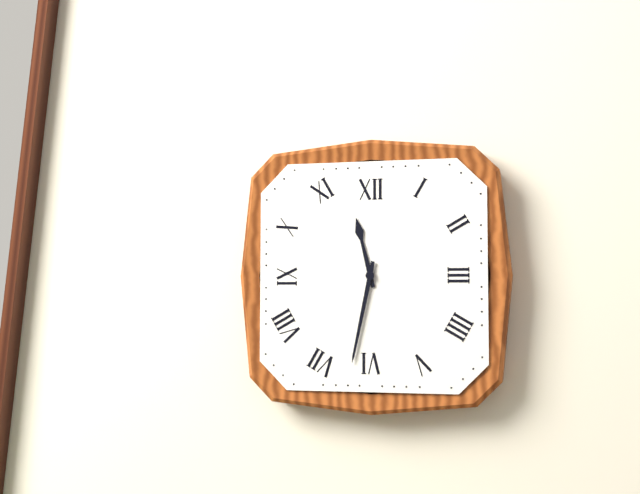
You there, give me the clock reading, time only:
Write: 11:32
